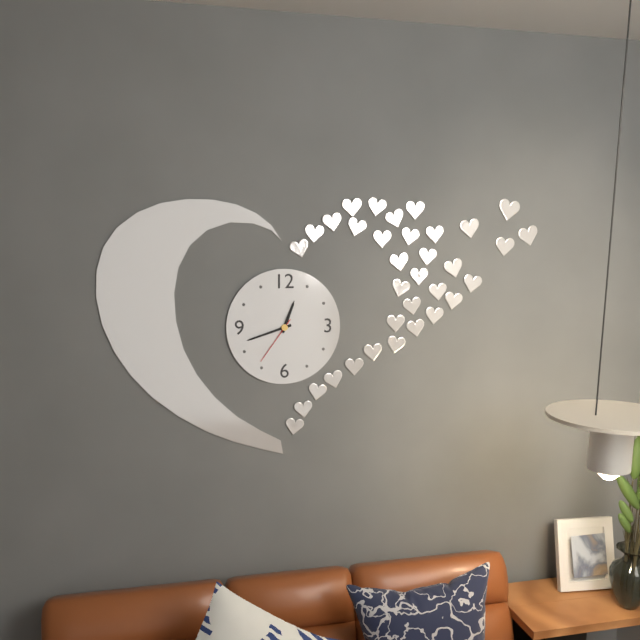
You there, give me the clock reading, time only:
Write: 12:42:36
